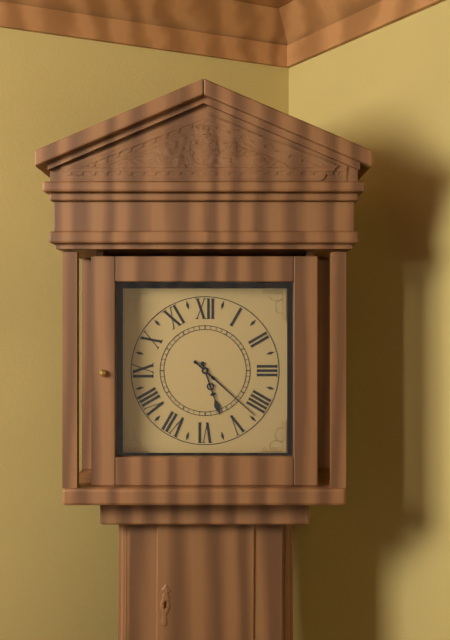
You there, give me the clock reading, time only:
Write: 5:22
